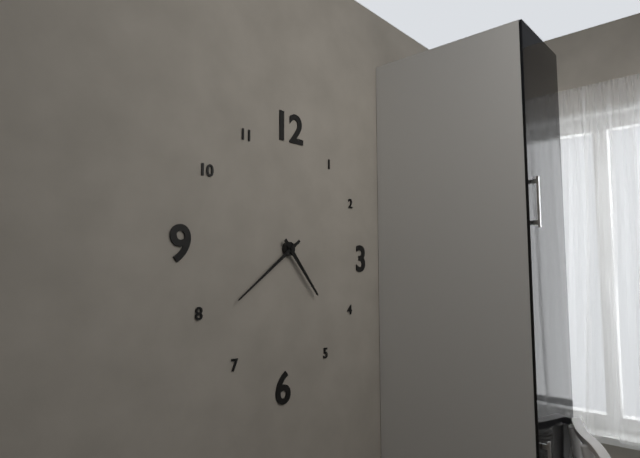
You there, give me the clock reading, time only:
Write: 4:39
